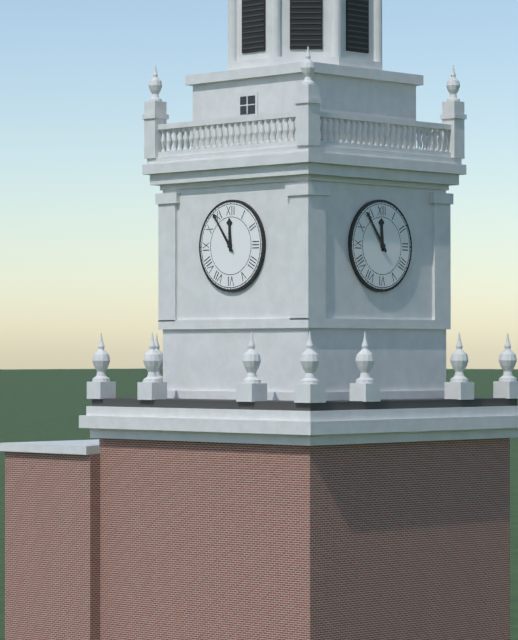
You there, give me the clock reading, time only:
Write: 11:54
